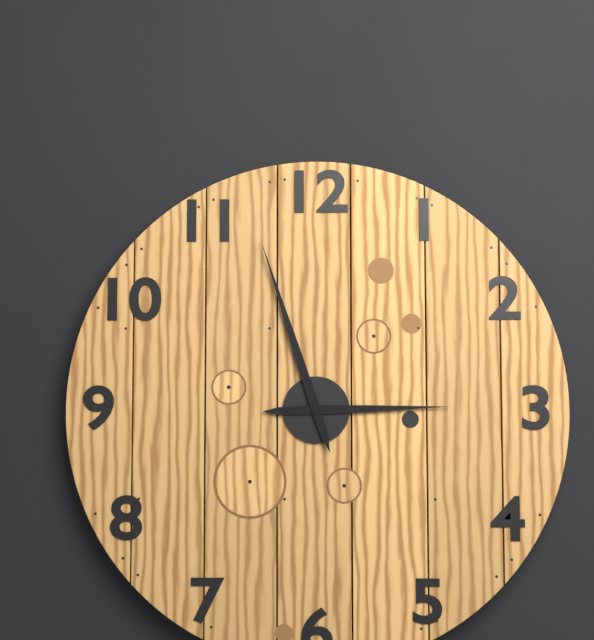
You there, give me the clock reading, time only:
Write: 2:57
